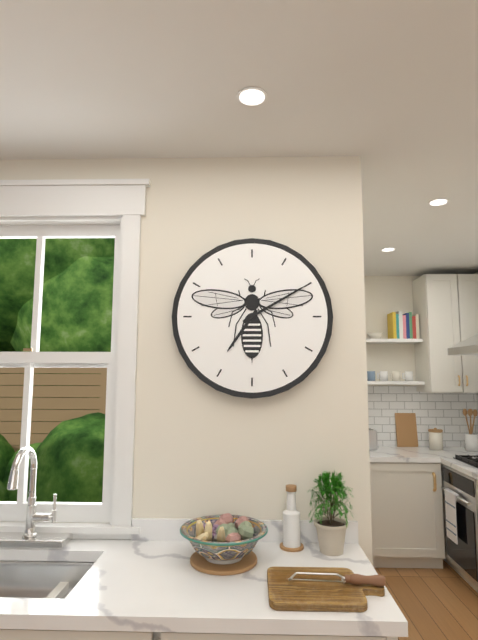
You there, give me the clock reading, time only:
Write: 7:10
